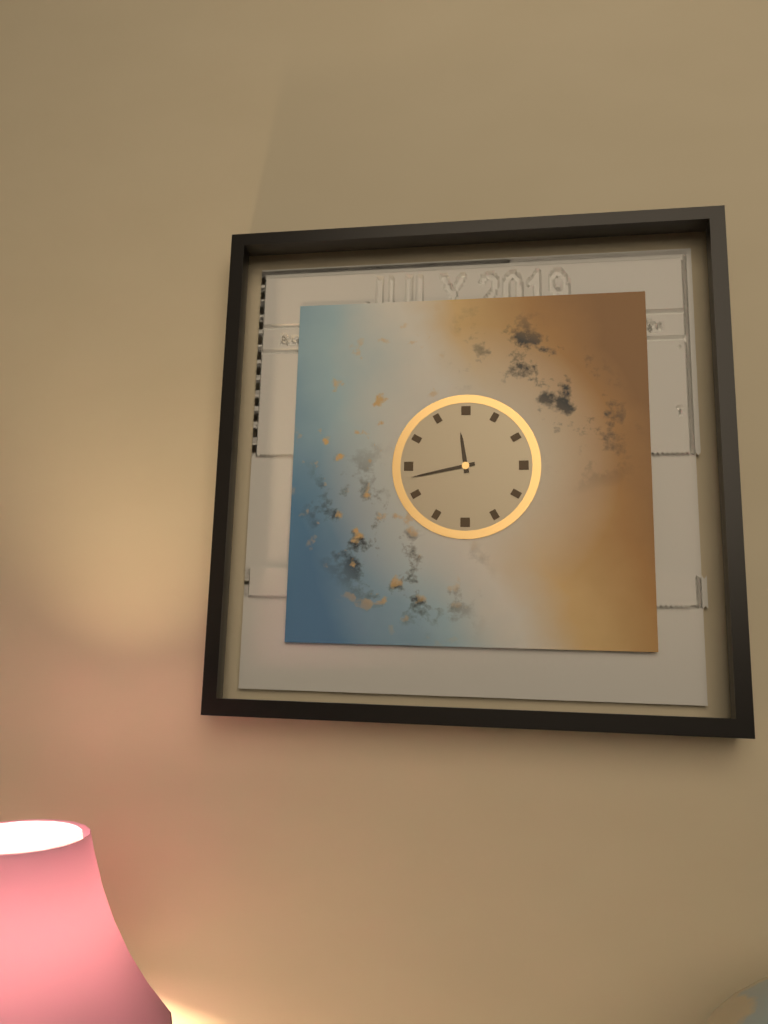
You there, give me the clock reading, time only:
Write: 11:43
